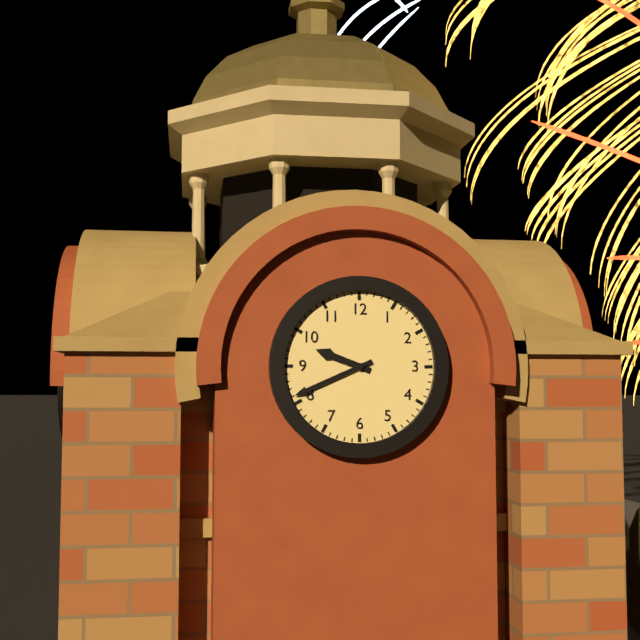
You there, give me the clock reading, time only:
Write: 9:41
